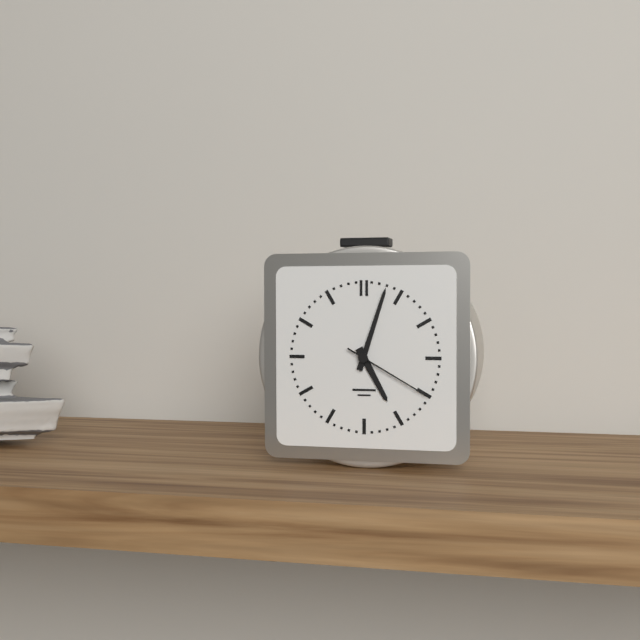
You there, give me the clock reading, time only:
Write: 5:03:20
